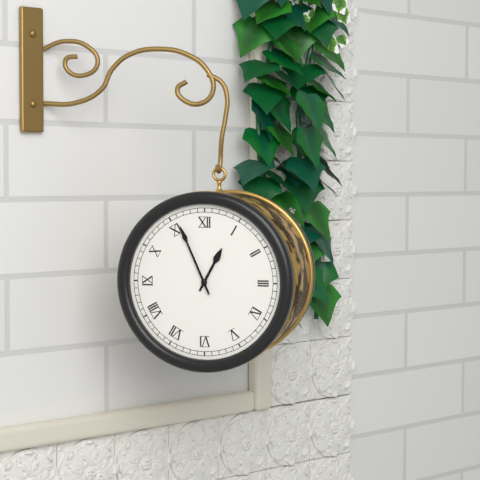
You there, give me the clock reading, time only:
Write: 12:56
